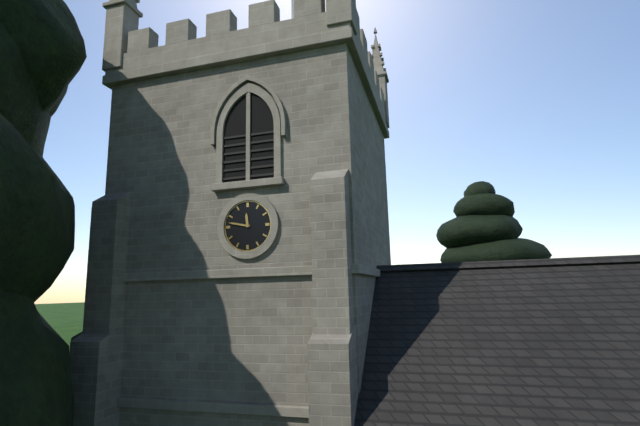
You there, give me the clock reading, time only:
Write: 11:47
